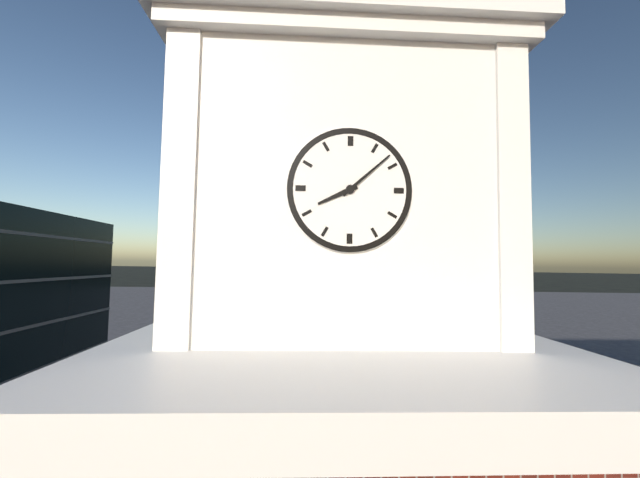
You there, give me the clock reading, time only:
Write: 8:08
